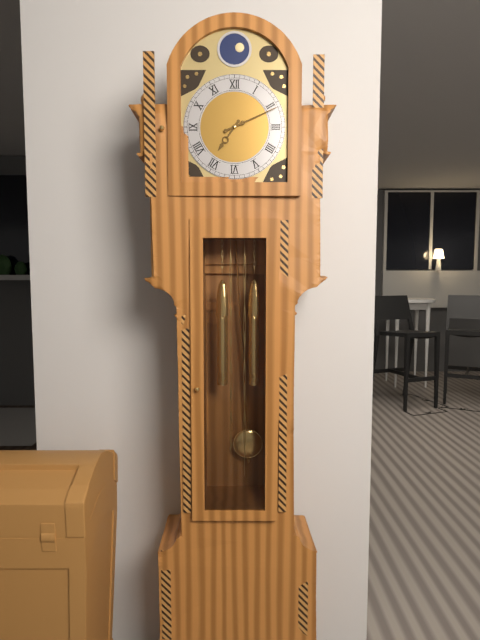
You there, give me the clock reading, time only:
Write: 7:11
